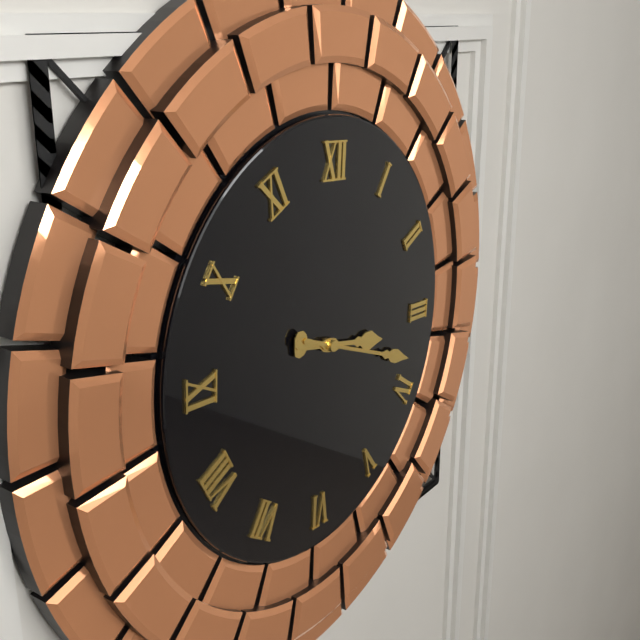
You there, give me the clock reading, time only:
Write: 3:18:18
